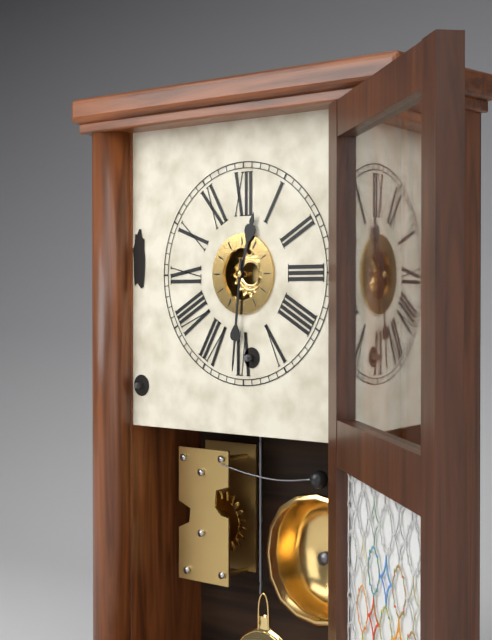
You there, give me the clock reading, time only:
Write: 12:31
